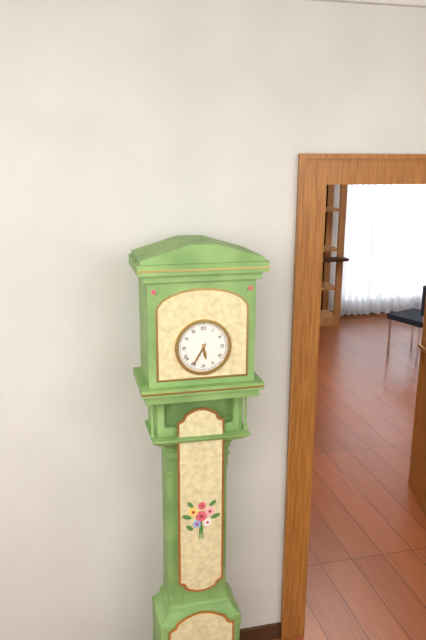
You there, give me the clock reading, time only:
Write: 5:35
